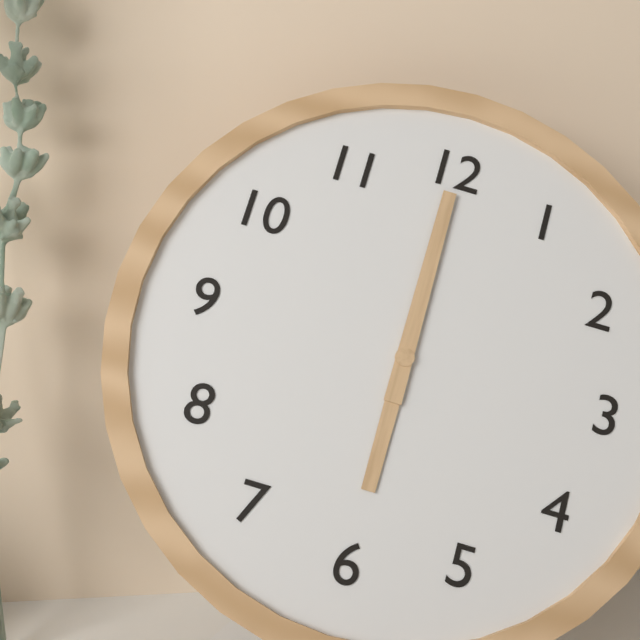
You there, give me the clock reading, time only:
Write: 6:00
